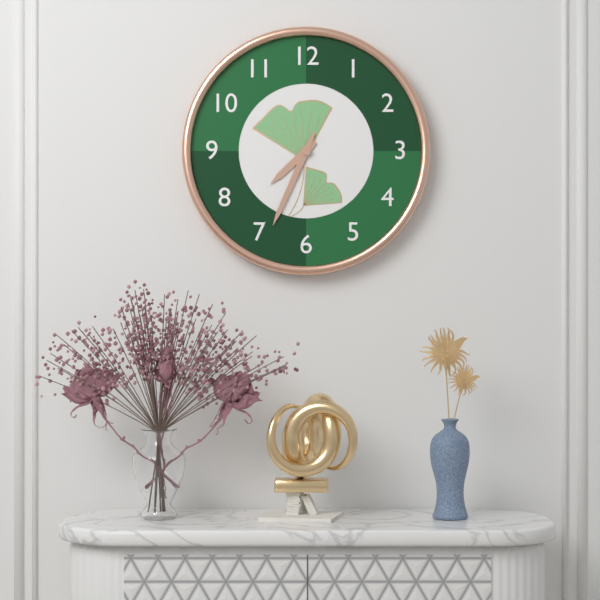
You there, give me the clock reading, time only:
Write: 7:34
